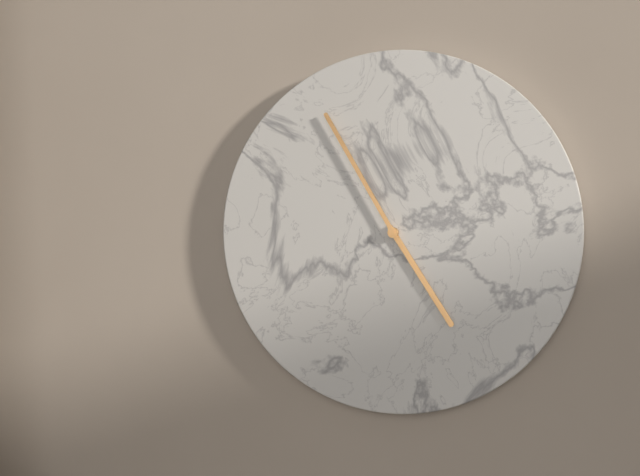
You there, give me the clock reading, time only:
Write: 4:55
